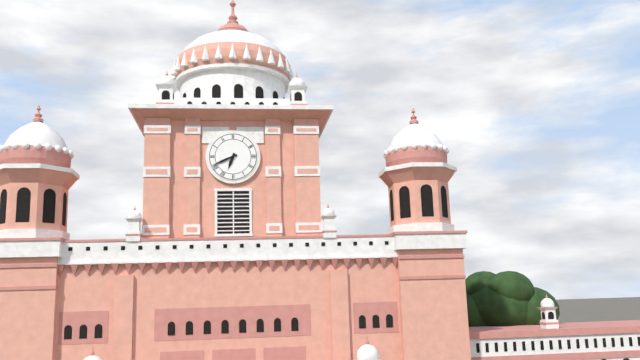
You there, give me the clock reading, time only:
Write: 6:41
